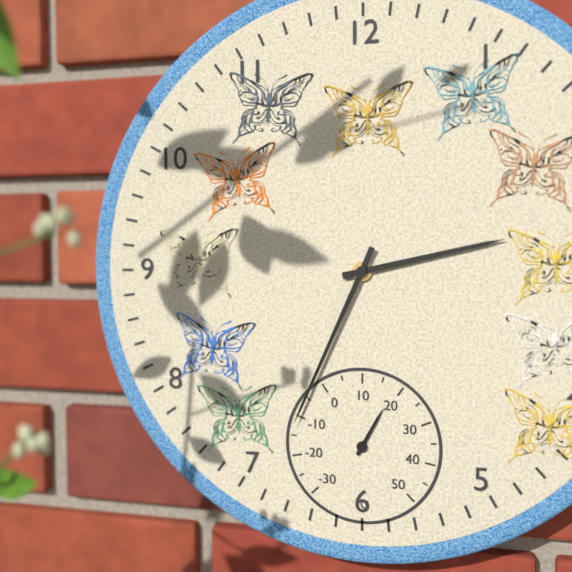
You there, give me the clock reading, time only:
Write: 2:34
